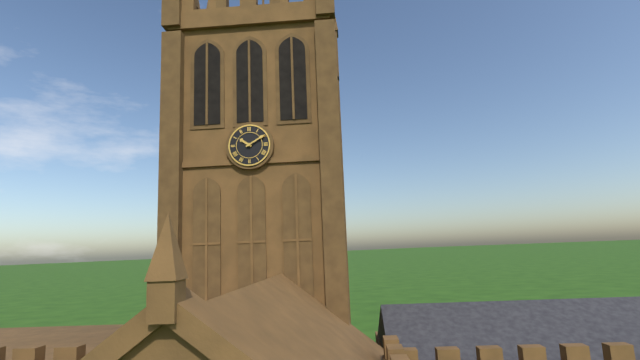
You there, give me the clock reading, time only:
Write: 10:10
